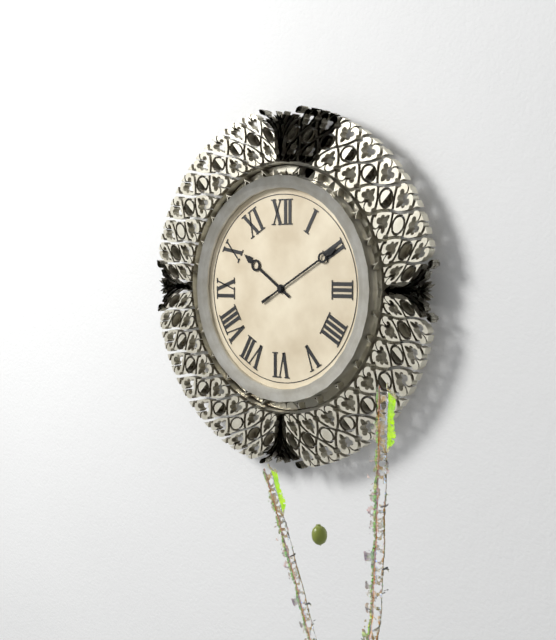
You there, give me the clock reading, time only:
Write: 10:10
